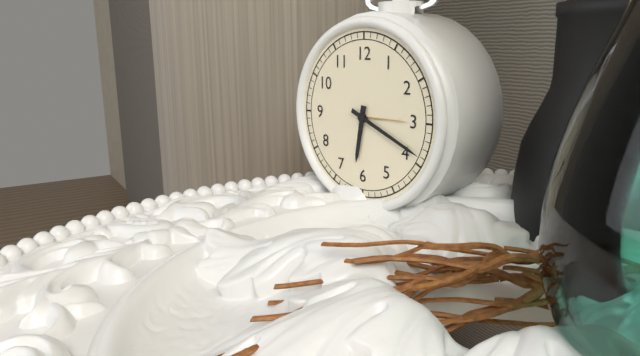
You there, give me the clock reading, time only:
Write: 6:19
